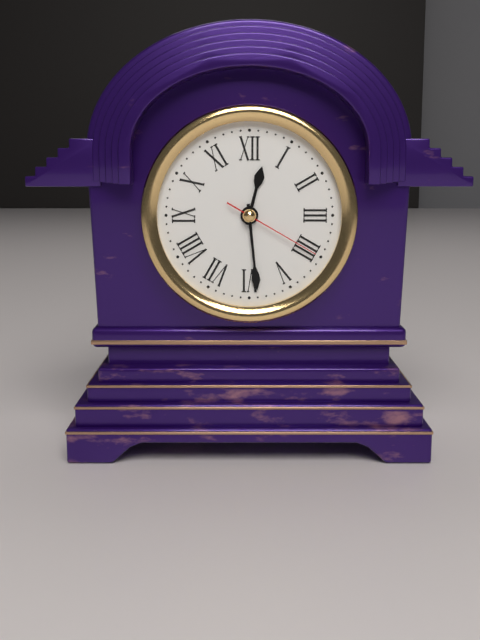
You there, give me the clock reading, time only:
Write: 12:29:20
